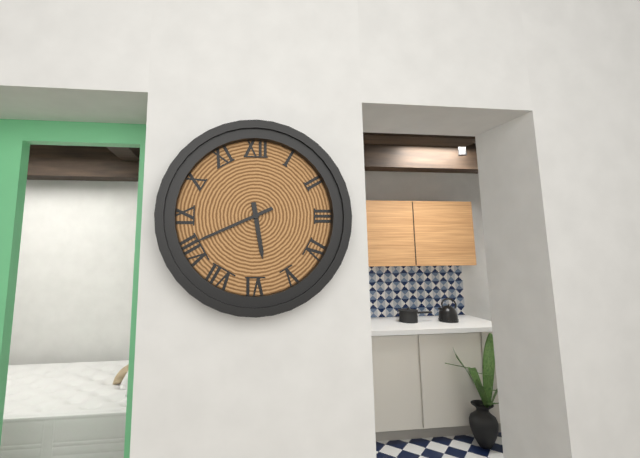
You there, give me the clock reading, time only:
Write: 5:41
